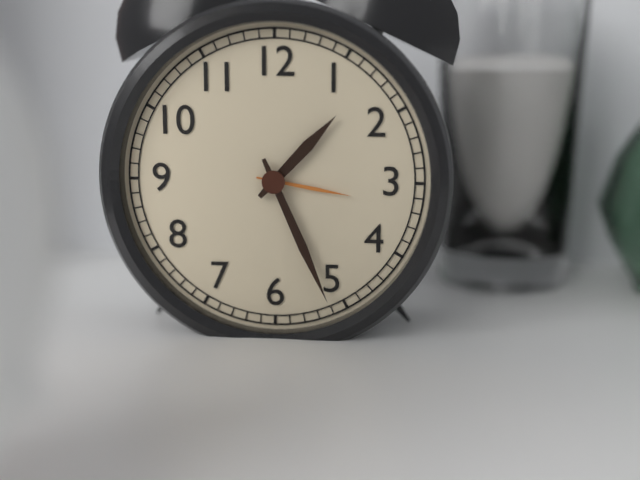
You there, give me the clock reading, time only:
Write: 1:26
